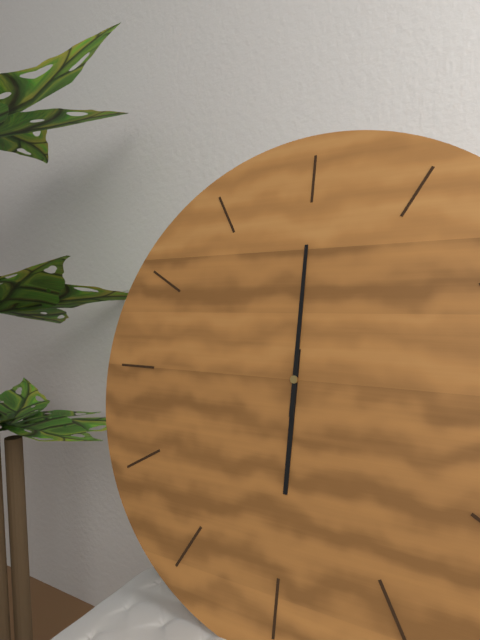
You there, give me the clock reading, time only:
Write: 6:00
